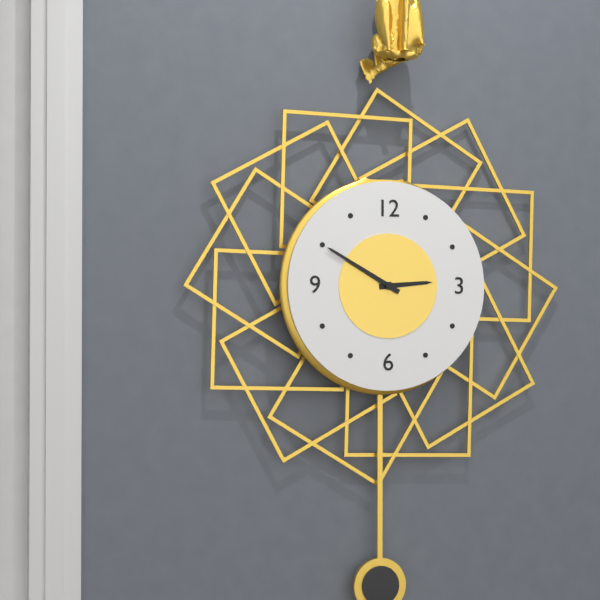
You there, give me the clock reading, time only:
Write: 2:50
